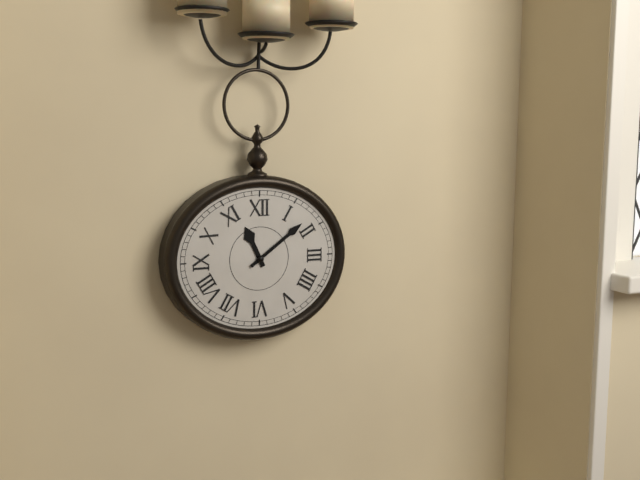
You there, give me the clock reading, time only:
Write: 11:09
